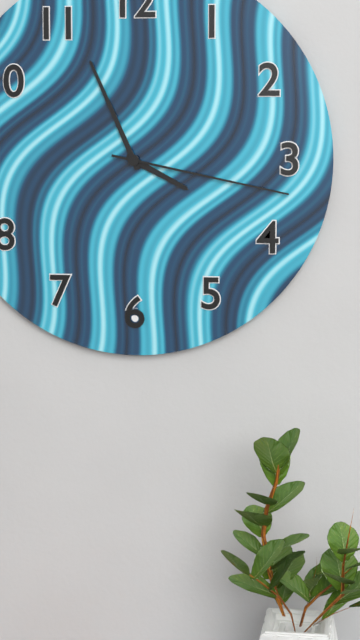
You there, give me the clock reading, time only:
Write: 3:56:17
